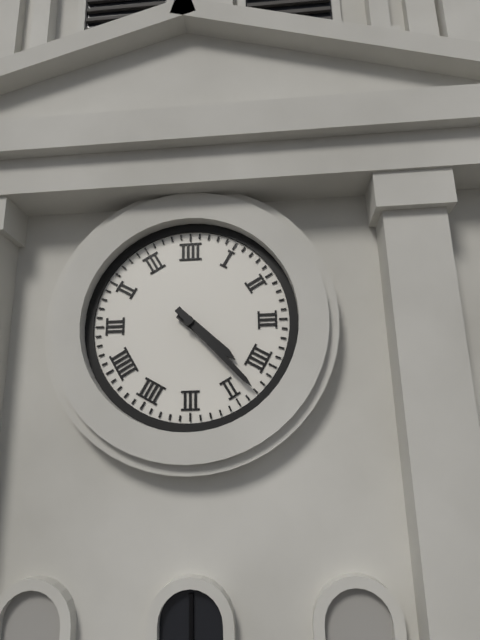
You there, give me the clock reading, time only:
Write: 4:23
